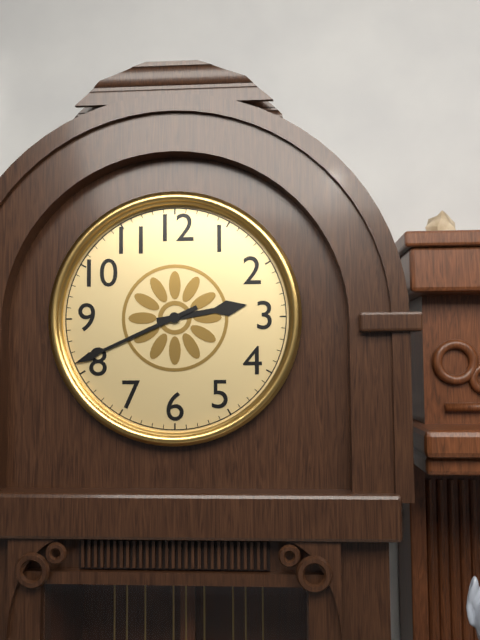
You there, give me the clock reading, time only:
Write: 2:41
